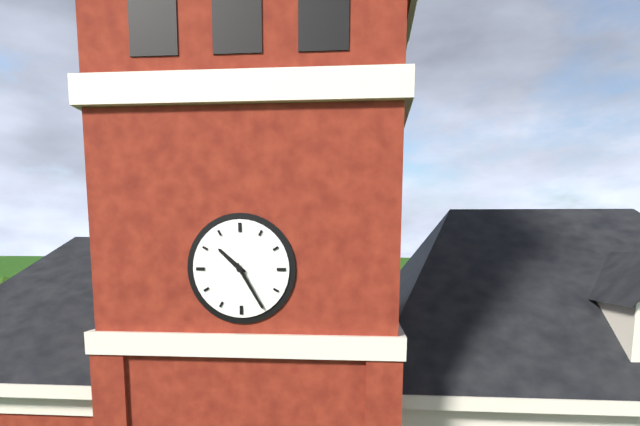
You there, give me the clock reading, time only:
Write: 10:25
